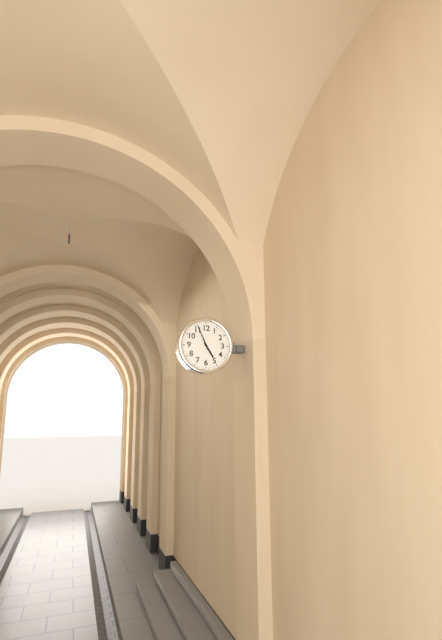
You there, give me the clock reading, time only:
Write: 4:56
